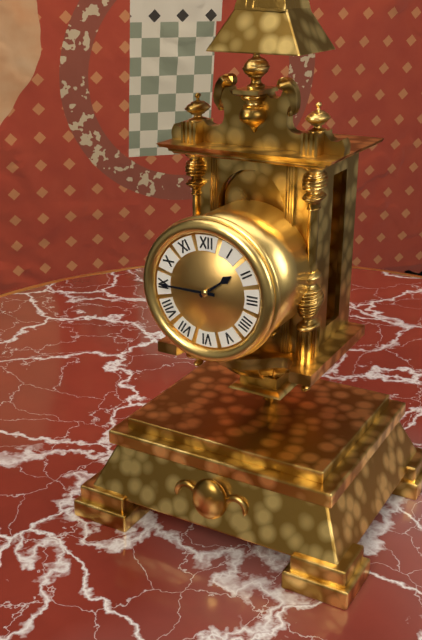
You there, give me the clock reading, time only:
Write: 1:45
